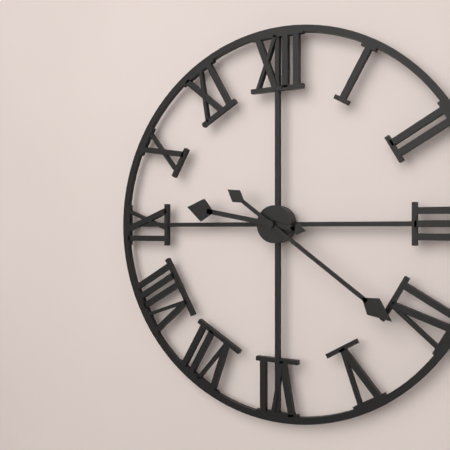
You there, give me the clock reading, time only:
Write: 9:21
